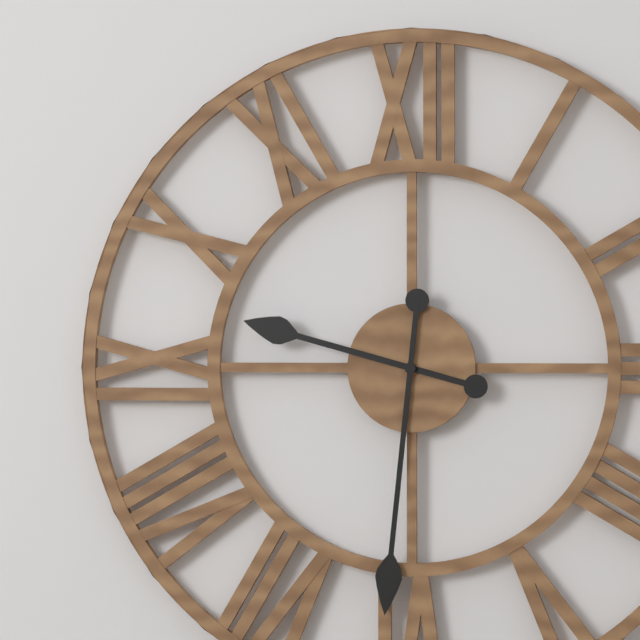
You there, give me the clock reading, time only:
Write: 9:31
